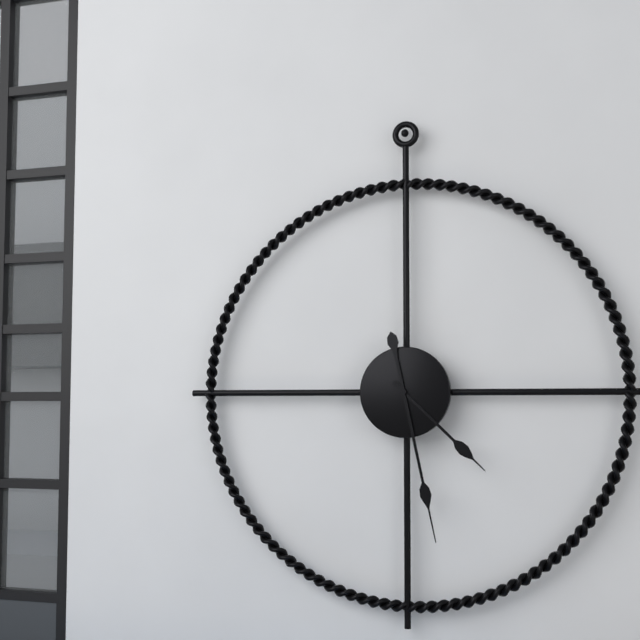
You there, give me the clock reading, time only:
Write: 4:28
